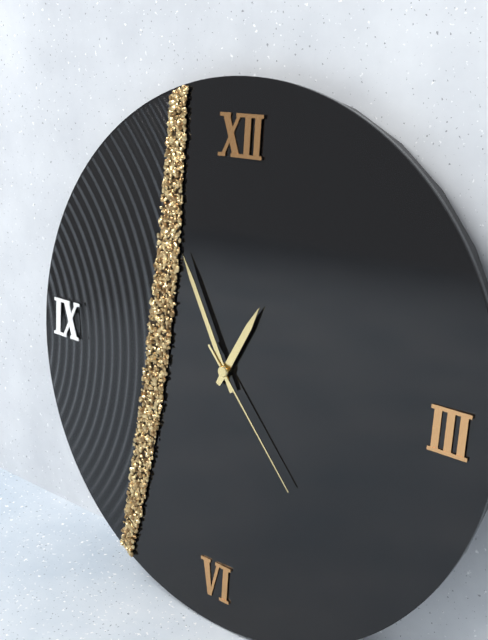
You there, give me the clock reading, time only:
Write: 12:55:23
